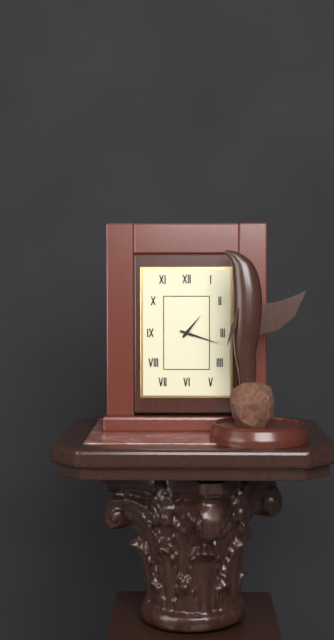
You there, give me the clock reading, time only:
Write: 1:18
